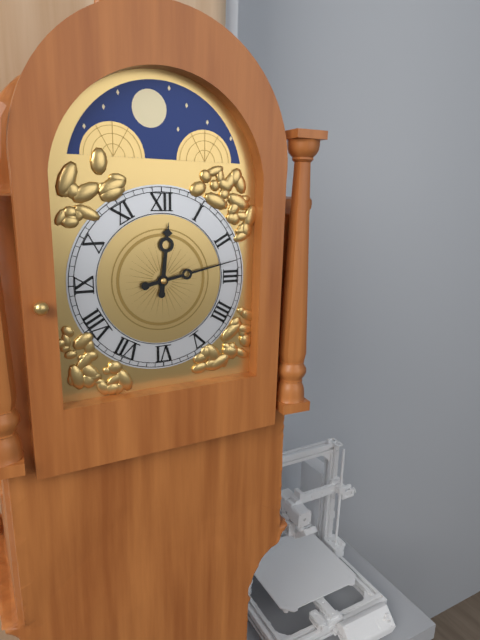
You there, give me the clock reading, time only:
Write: 12:13
